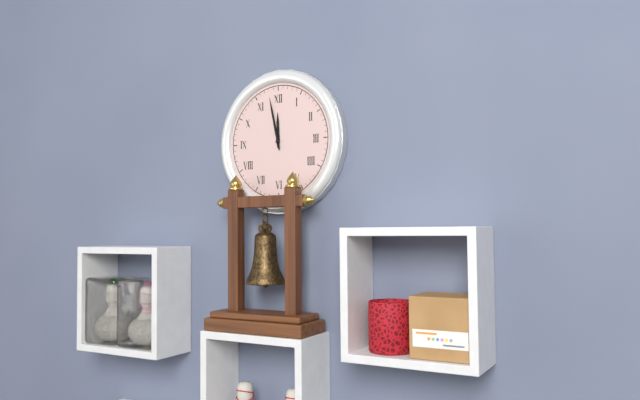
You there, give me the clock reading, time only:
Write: 11:58
